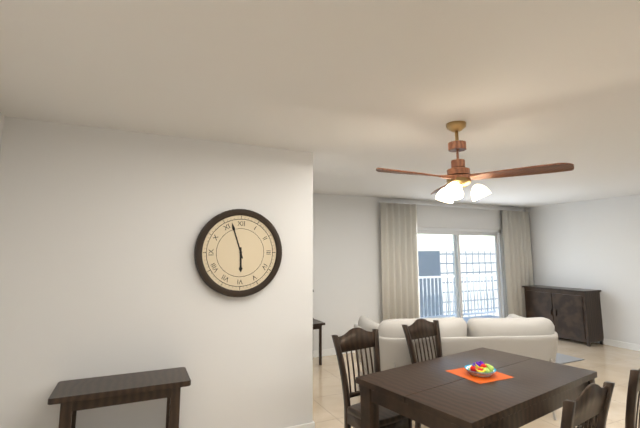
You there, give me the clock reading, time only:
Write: 5:57
